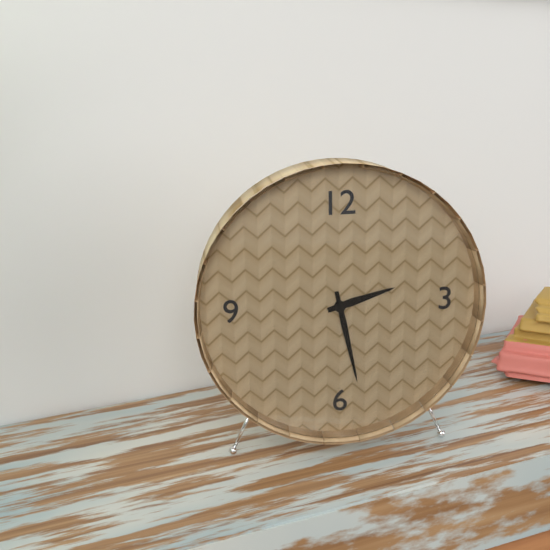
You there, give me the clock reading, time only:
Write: 2:28
